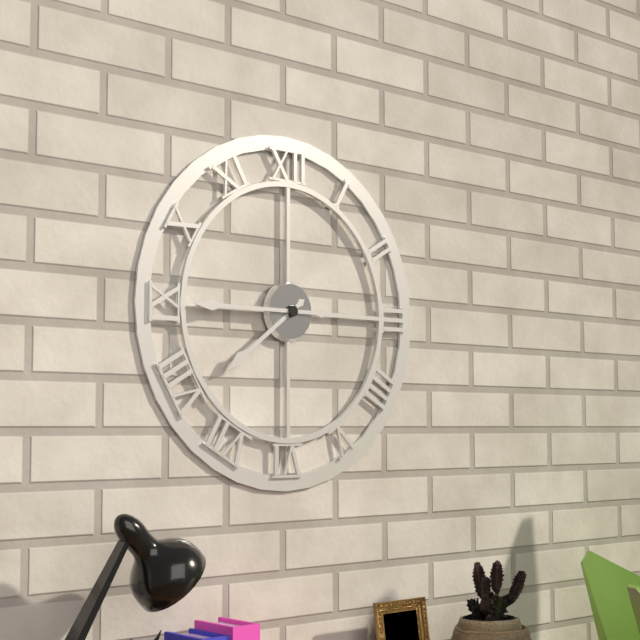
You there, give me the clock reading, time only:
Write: 7:45
